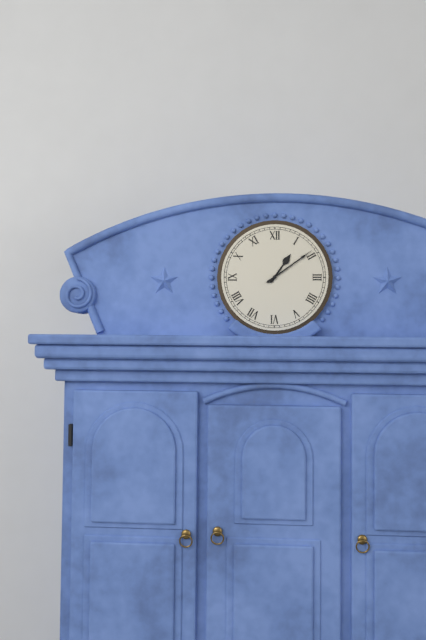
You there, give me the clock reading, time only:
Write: 1:09
